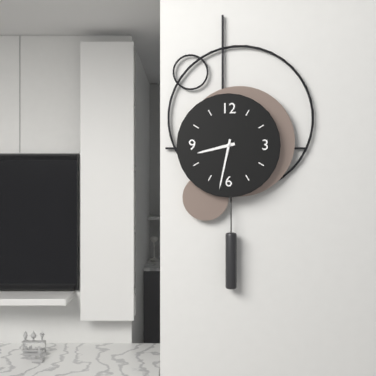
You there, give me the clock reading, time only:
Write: 8:32
